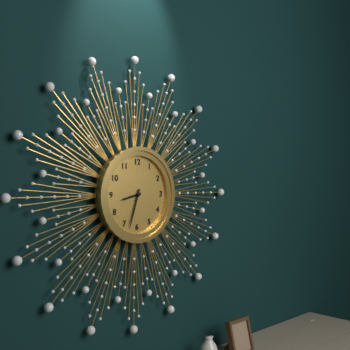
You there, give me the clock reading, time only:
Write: 8:33
